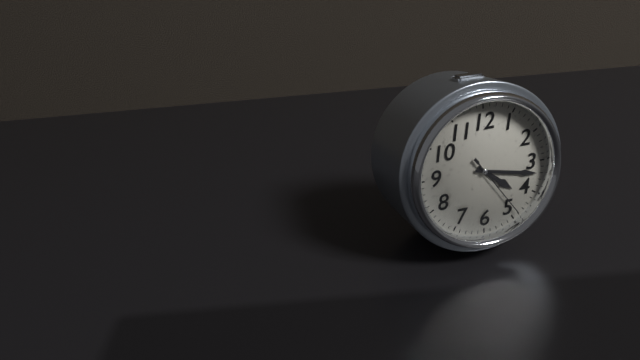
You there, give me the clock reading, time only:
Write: 4:17:24
